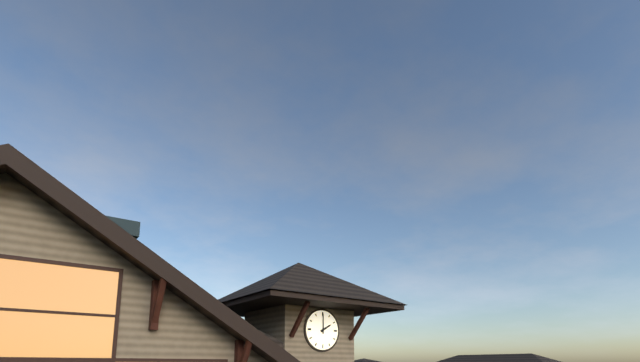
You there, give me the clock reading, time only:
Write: 2:00
